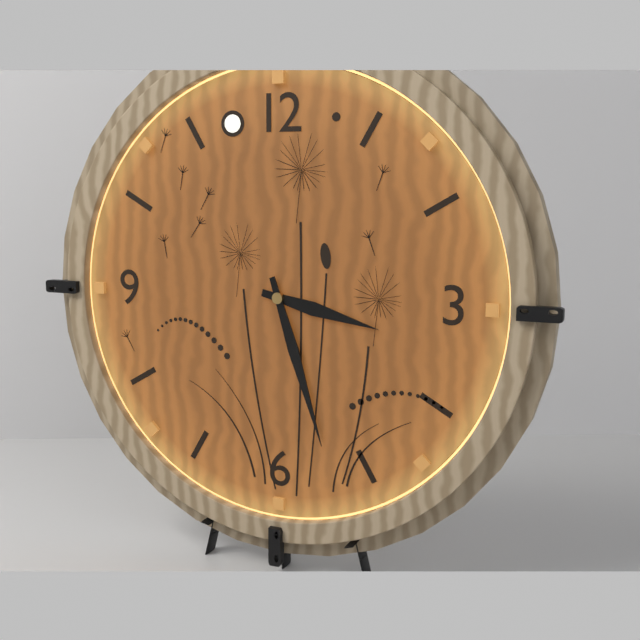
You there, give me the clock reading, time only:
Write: 3:27
